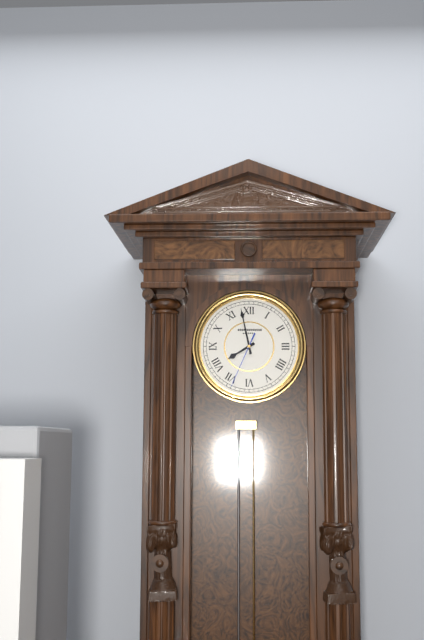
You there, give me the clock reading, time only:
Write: 7:58:34
